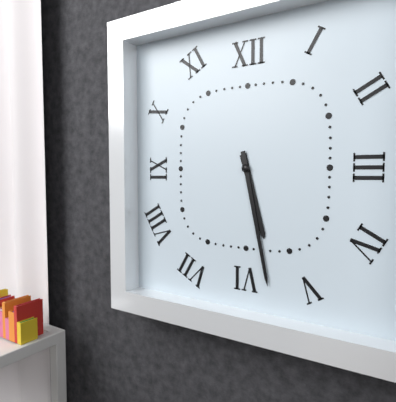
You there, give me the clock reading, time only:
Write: 5:28
